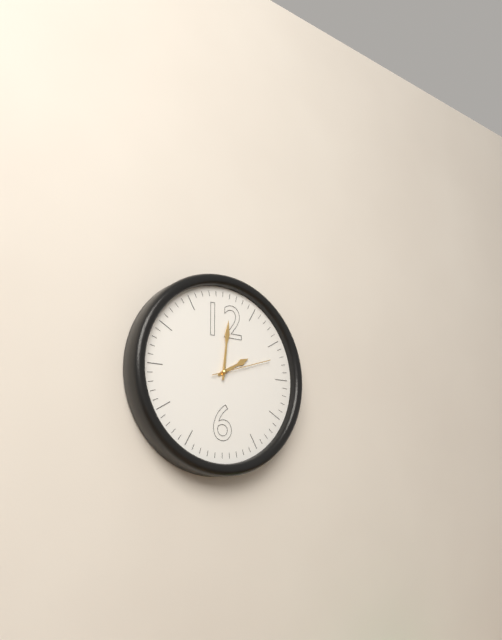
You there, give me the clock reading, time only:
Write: 2:01:12
